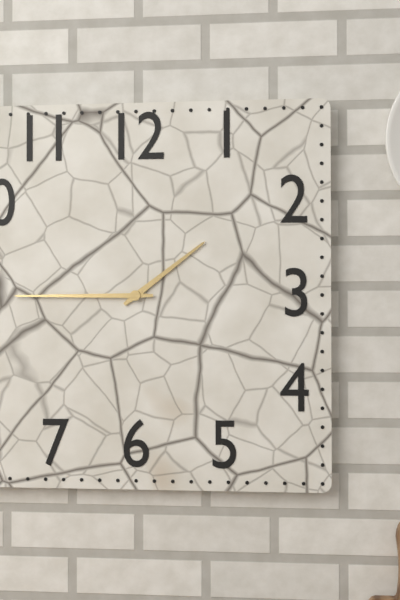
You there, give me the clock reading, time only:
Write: 1:45
